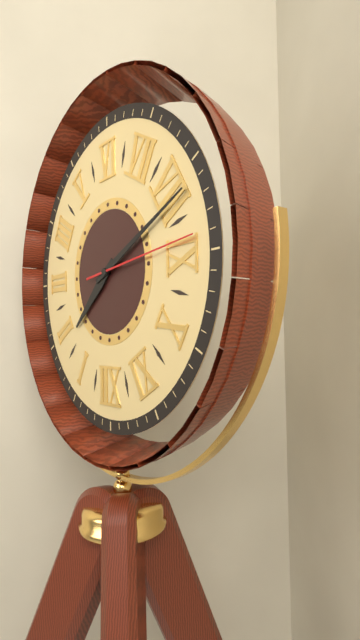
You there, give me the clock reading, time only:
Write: 1:41:44
